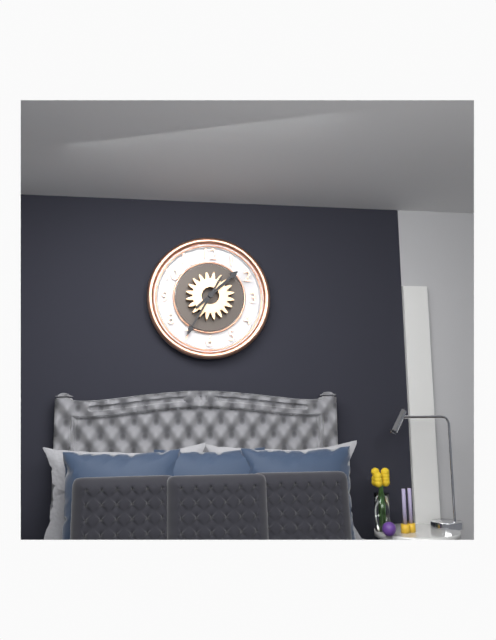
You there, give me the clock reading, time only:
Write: 1:35
